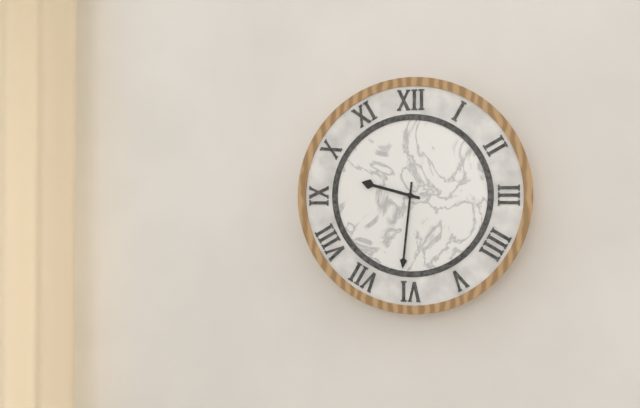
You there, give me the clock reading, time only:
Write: 9:31
